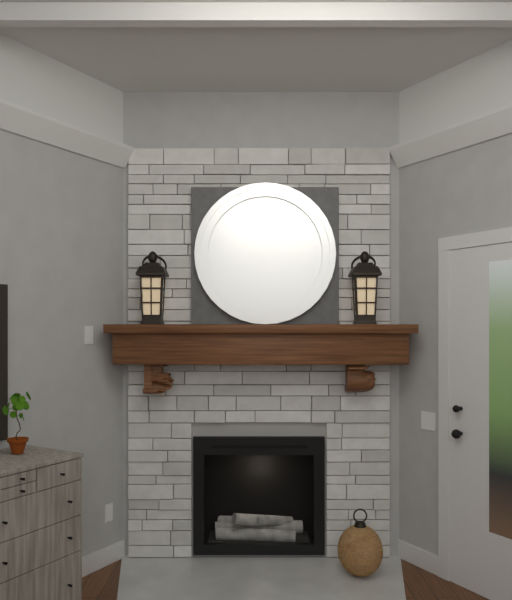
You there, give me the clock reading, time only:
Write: 5:37
